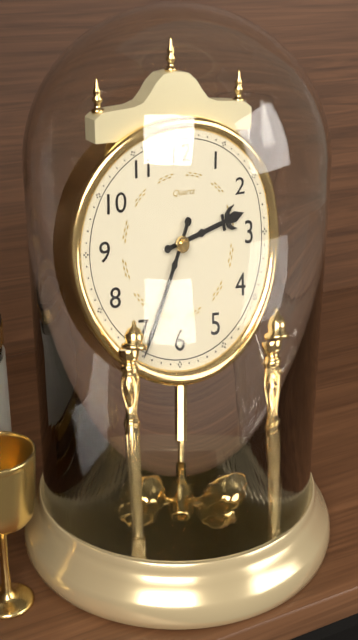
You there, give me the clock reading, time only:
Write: 2:34
